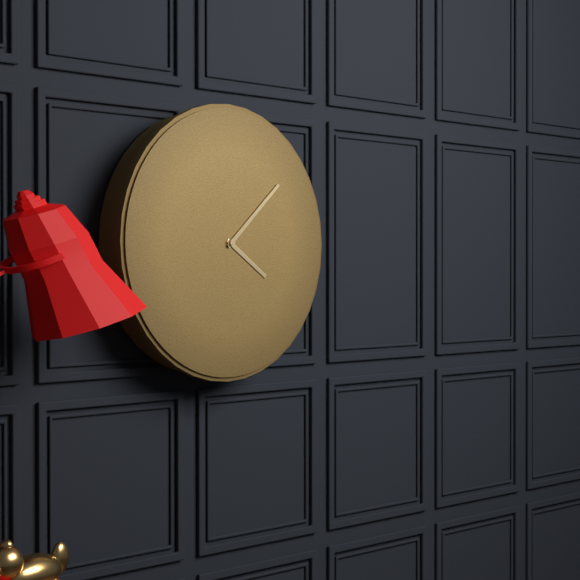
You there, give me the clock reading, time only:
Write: 4:08
